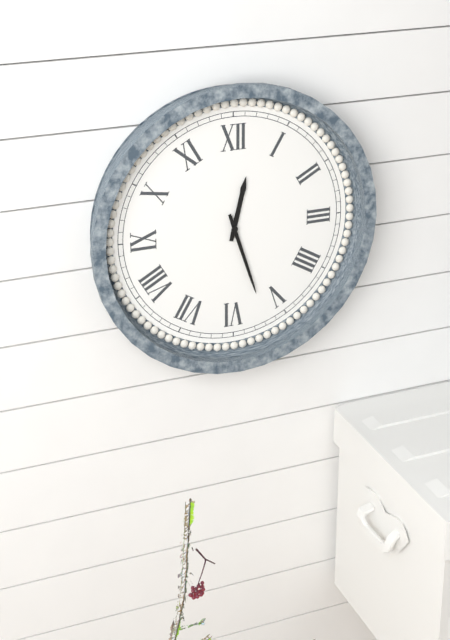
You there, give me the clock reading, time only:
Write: 12:27
